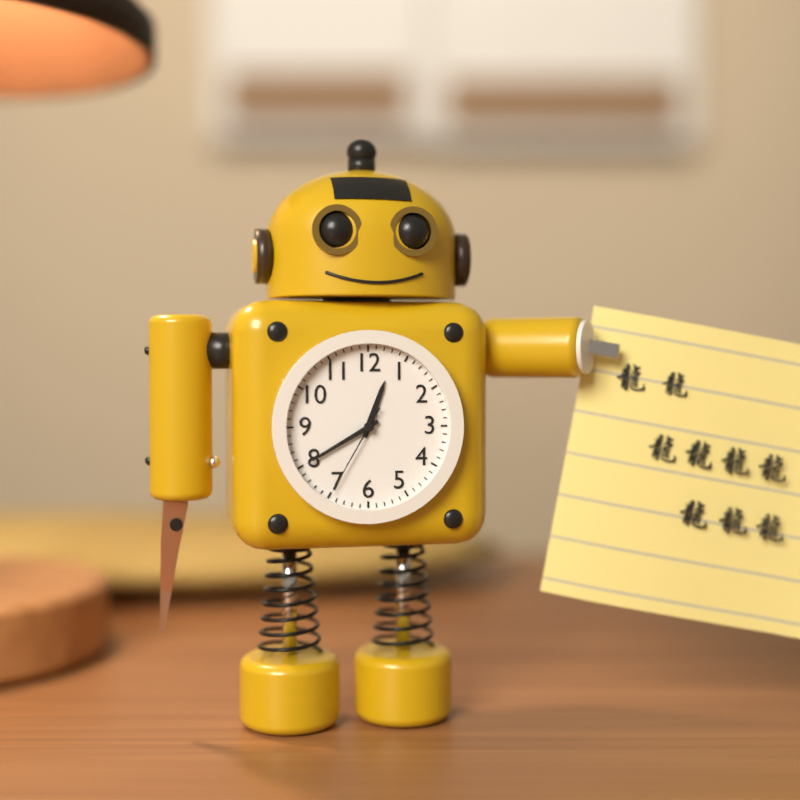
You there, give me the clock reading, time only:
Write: 12:40:35
